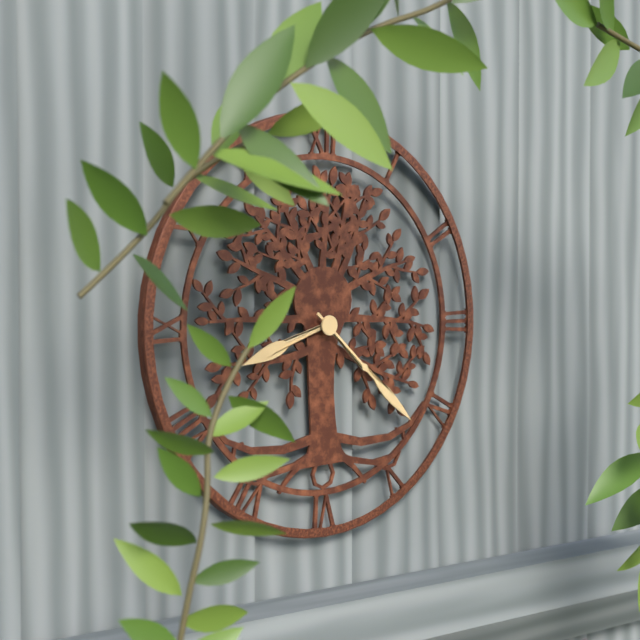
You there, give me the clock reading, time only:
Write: 8:22
